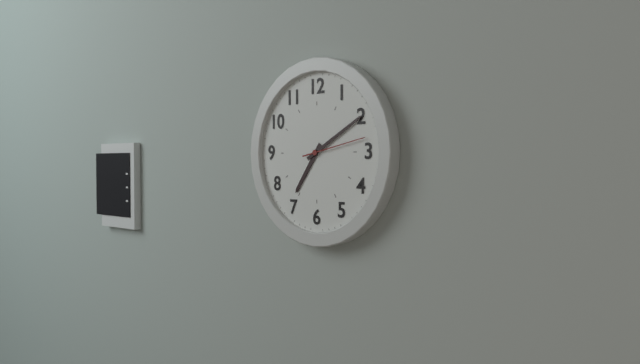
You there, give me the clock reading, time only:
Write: 7:10:13
